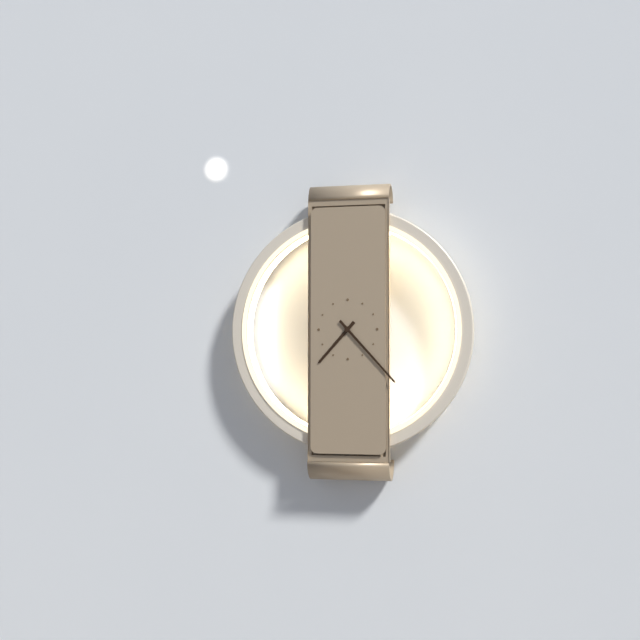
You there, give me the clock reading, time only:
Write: 7:23
